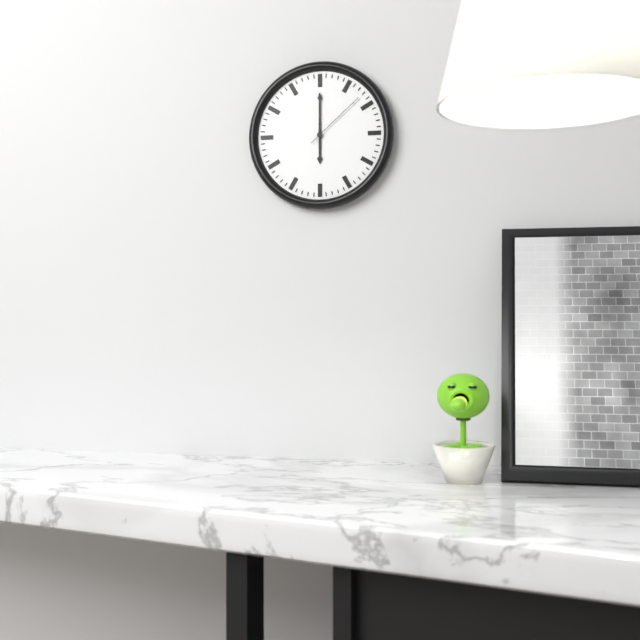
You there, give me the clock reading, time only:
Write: 6:00:08
